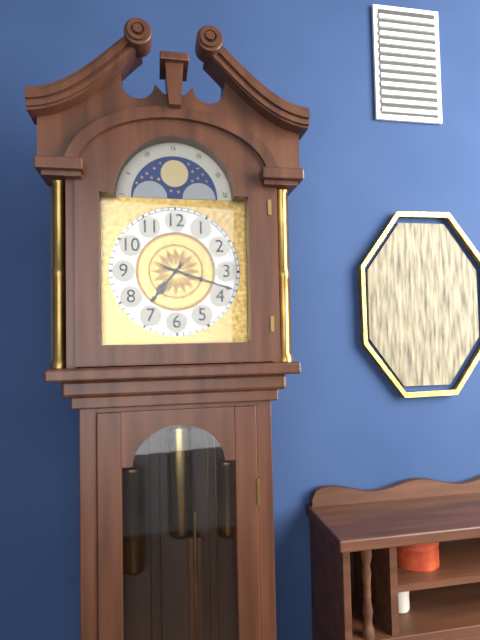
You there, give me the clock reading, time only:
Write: 7:18
